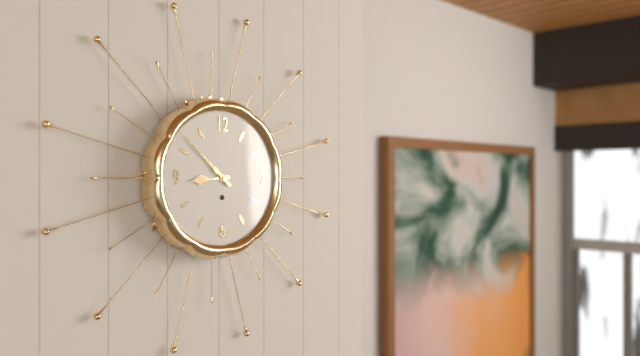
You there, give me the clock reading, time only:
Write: 8:52
